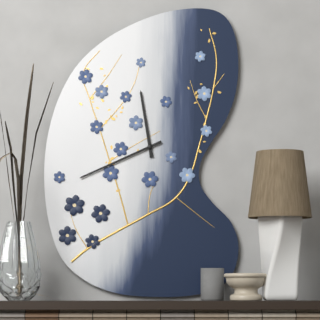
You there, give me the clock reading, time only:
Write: 11:41
